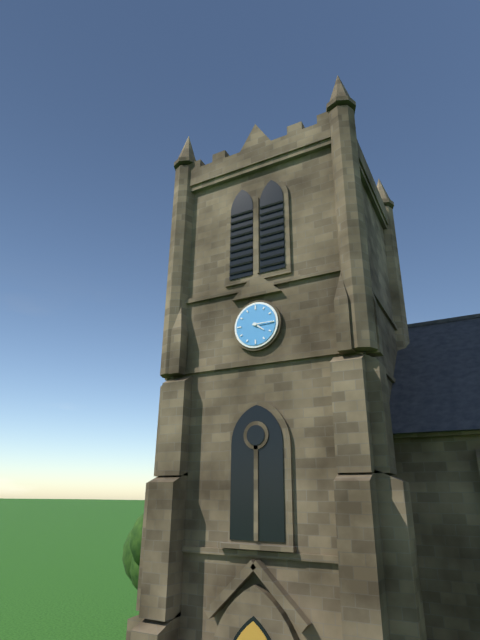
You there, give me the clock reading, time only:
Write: 4:15
